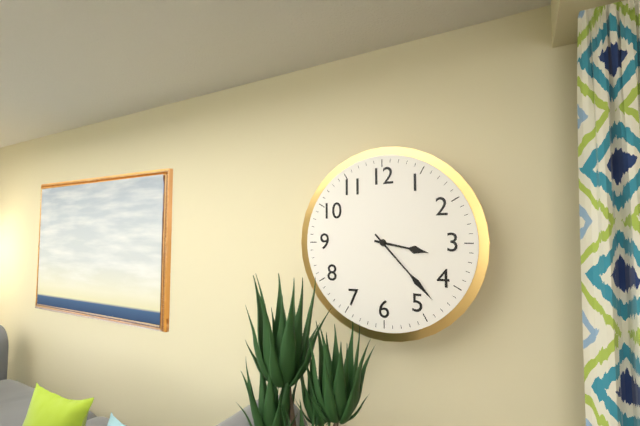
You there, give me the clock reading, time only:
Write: 3:23
